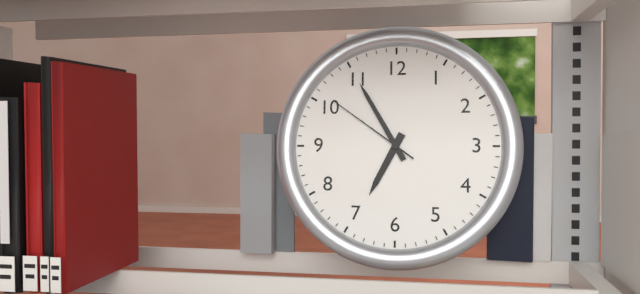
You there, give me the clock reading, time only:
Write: 6:55:51
